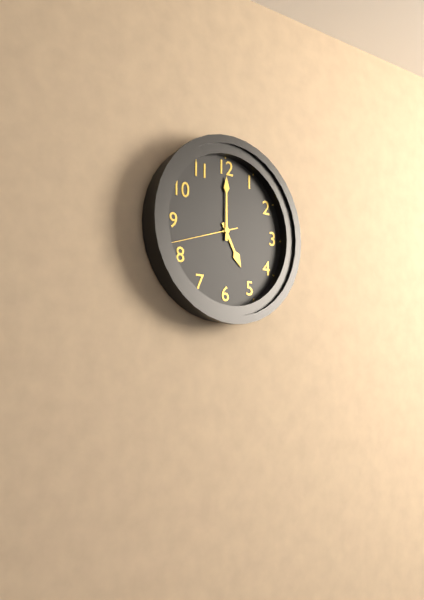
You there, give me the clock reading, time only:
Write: 5:00:42
